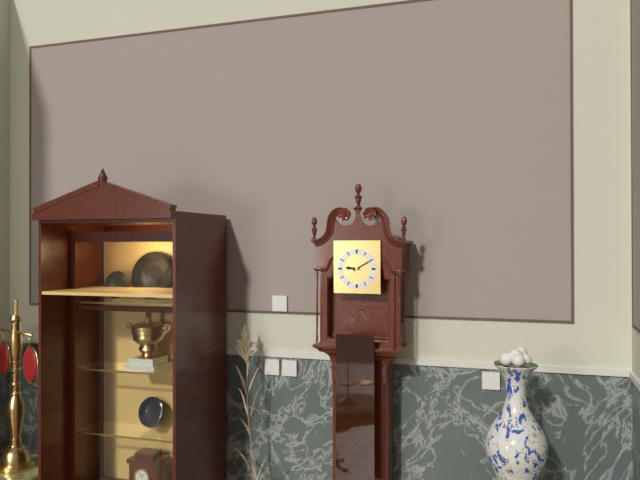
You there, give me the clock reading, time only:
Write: 9:10
